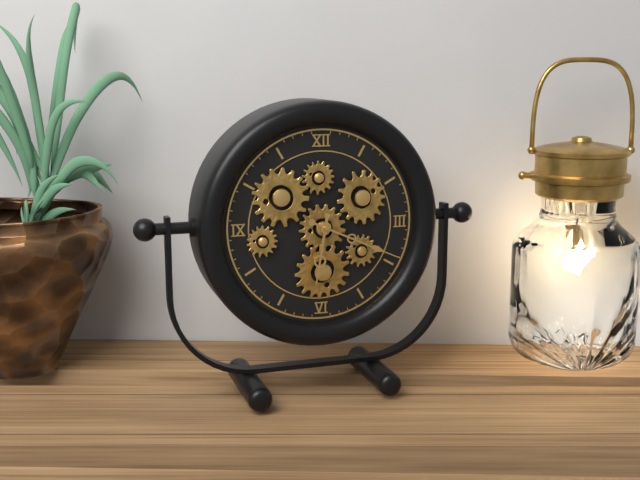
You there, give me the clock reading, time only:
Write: 6:19
